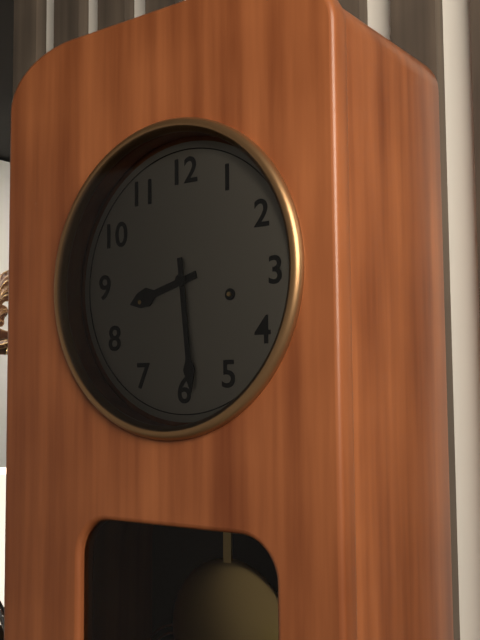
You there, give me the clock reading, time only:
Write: 8:29
